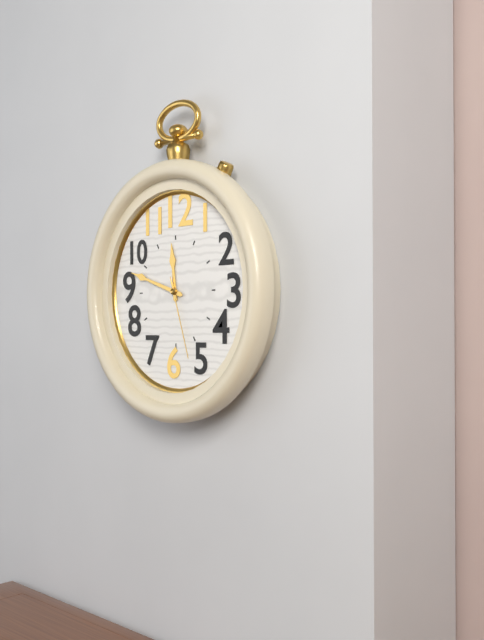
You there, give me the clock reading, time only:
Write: 11:48:27
